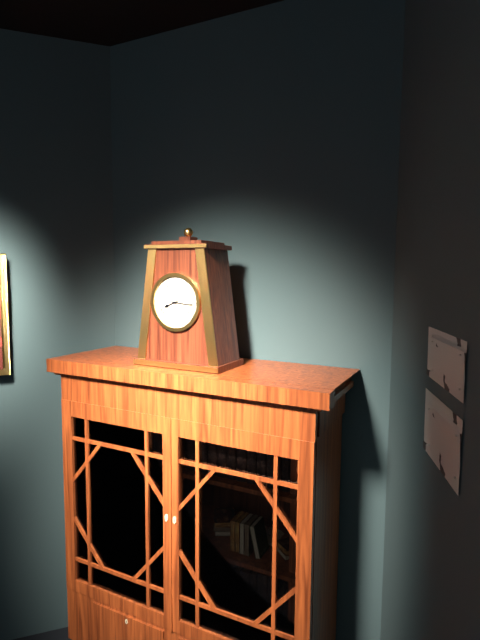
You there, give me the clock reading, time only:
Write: 8:16
